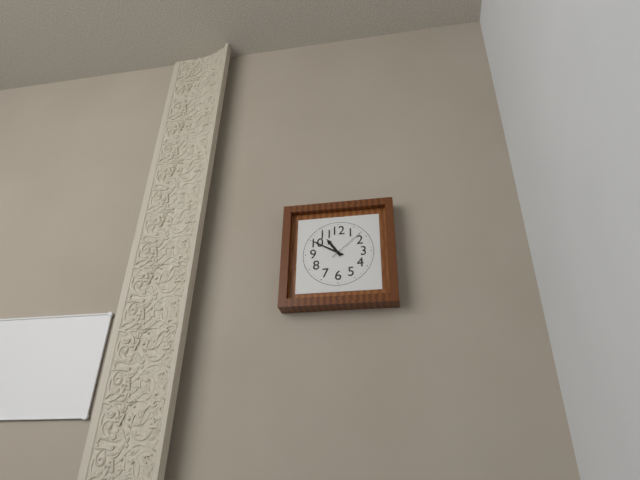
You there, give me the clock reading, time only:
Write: 10:50
